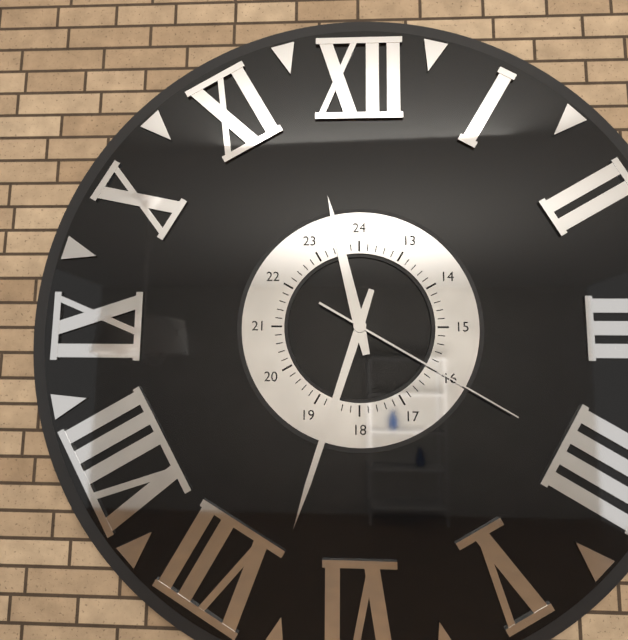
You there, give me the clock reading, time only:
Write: 11:33:20
